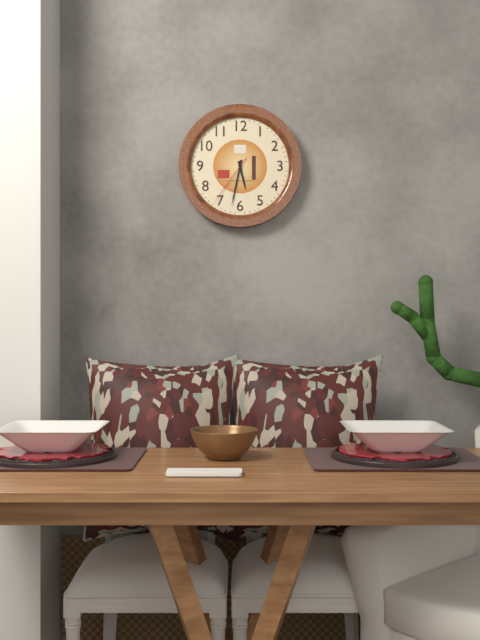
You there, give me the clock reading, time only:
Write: 5:32:36
